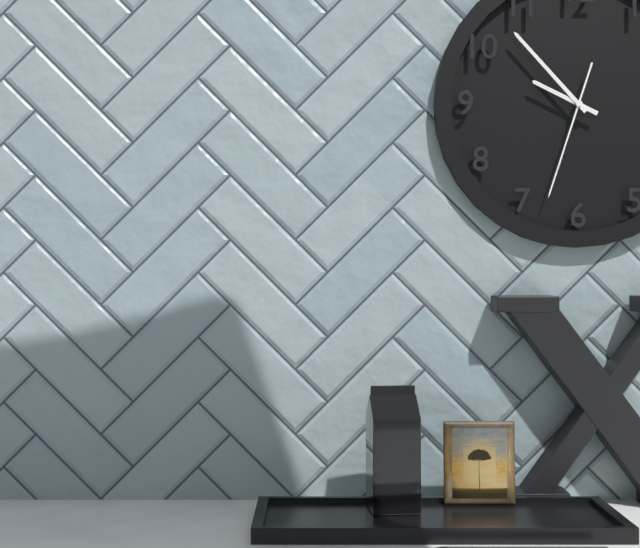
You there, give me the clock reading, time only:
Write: 9:53:33
